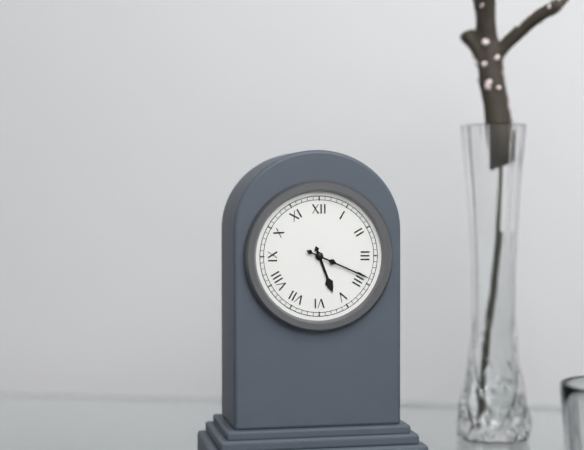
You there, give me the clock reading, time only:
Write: 5:19
